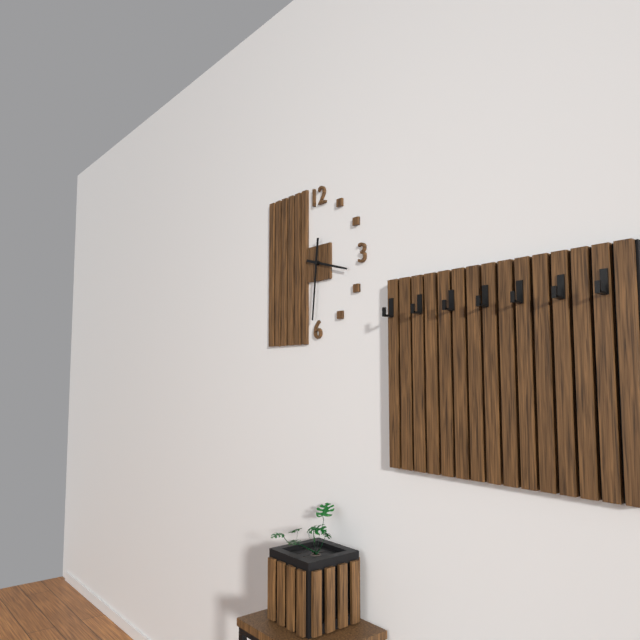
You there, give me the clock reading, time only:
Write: 3:31
